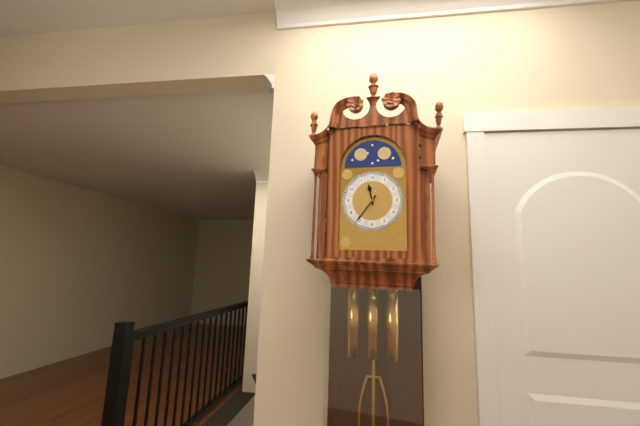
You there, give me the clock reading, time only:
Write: 11:36
